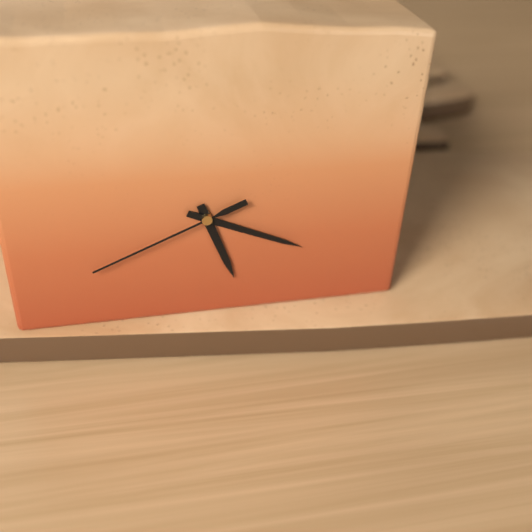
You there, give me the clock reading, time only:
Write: 5:19:41
